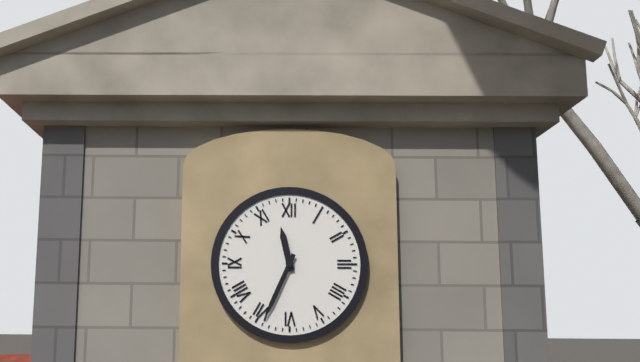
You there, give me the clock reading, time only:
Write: 11:34
